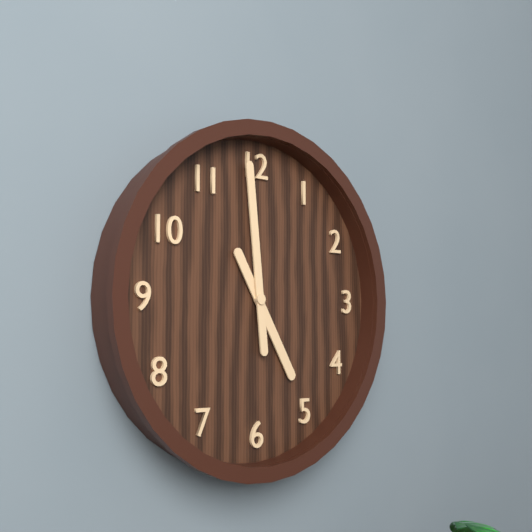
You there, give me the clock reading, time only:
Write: 4:59
